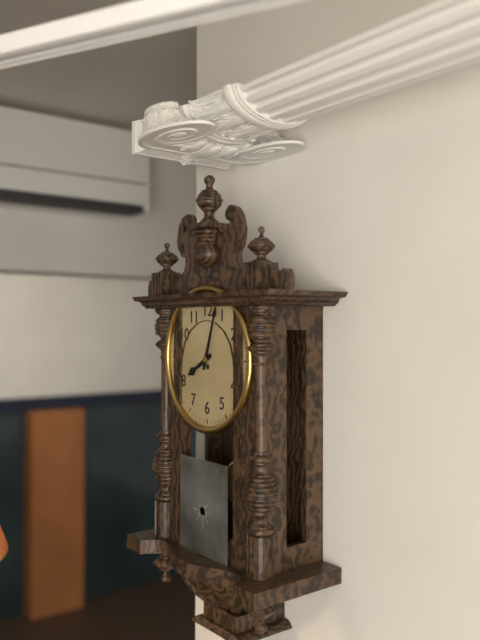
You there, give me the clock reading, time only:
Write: 8:03
